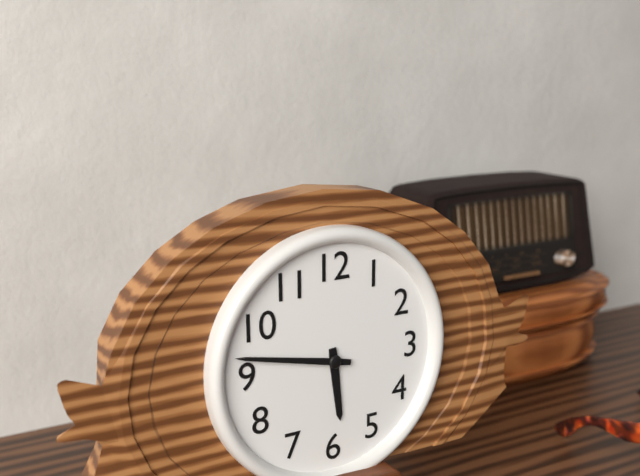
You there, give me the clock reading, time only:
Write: 5:47
